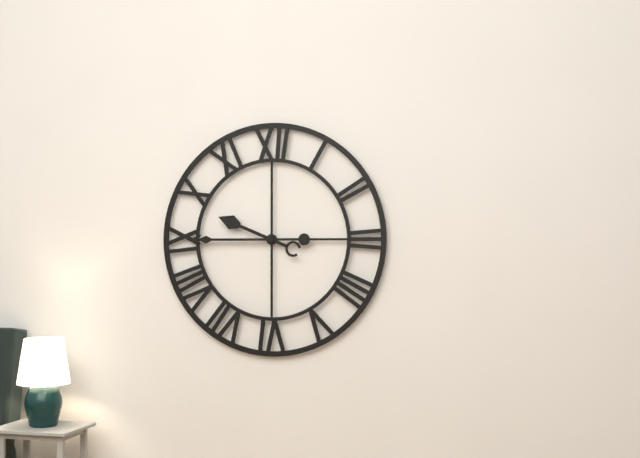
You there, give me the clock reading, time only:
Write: 9:45
